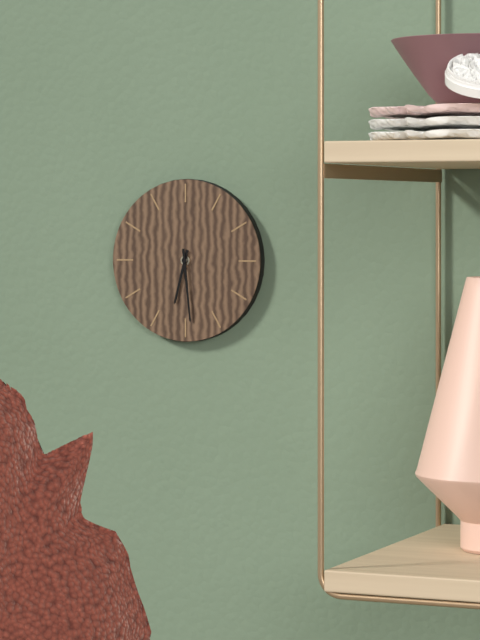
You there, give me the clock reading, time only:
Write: 6:29
